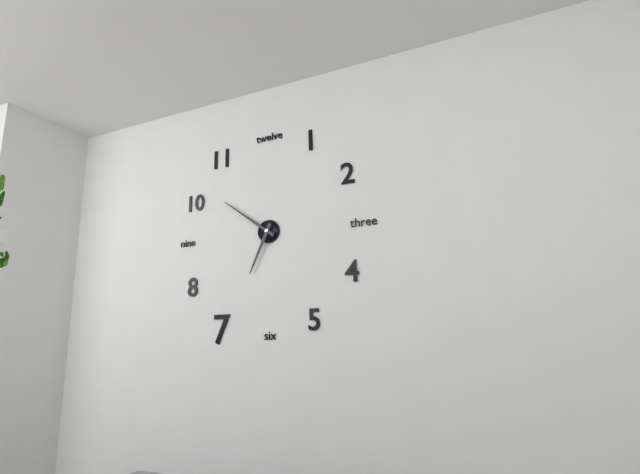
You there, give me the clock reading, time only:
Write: 6:51
